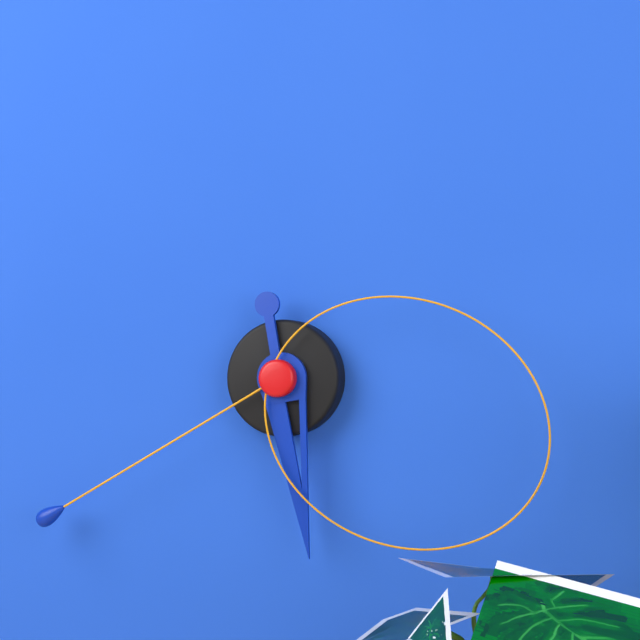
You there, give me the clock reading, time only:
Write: 5:40:18
